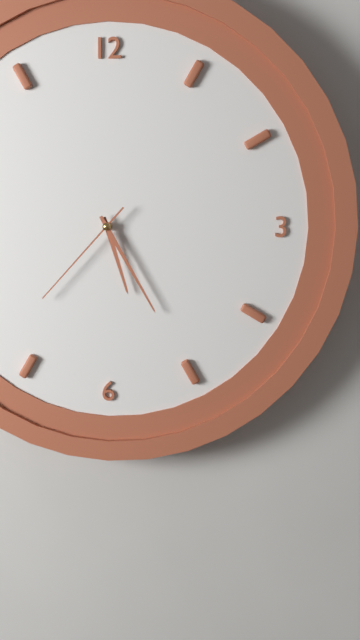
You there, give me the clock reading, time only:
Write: 5:25:37
